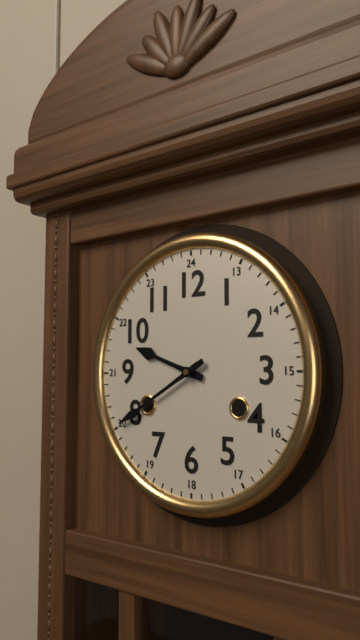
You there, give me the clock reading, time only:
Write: 9:40
